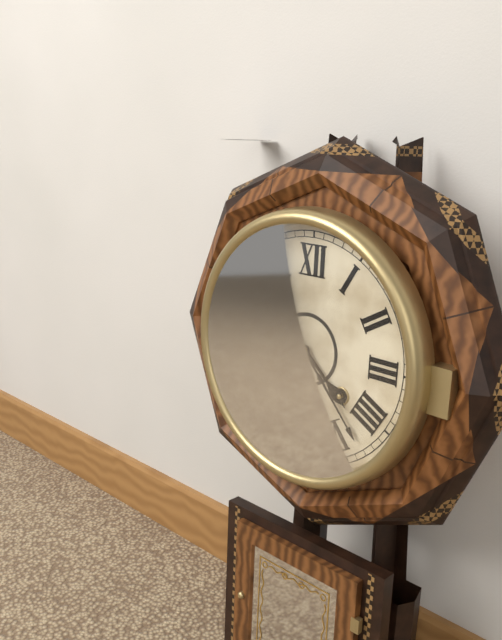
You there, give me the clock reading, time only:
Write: 4:23
